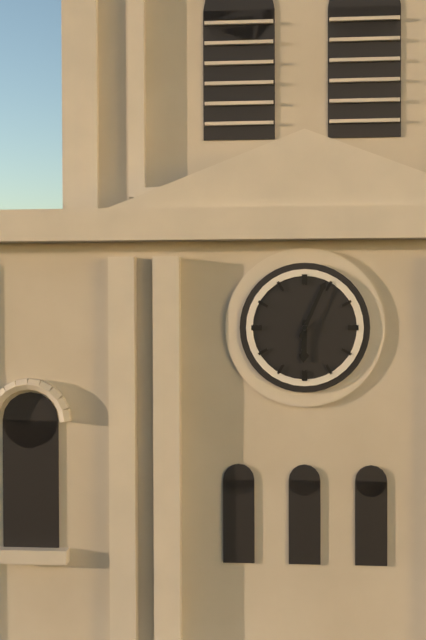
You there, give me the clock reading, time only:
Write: 6:04
